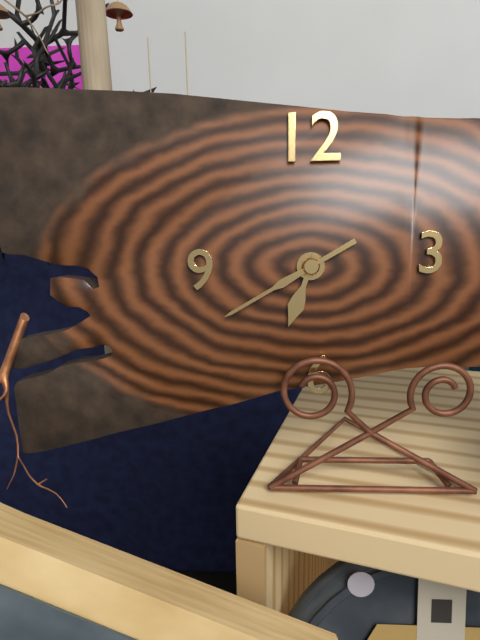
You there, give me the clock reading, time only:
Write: 6:40
